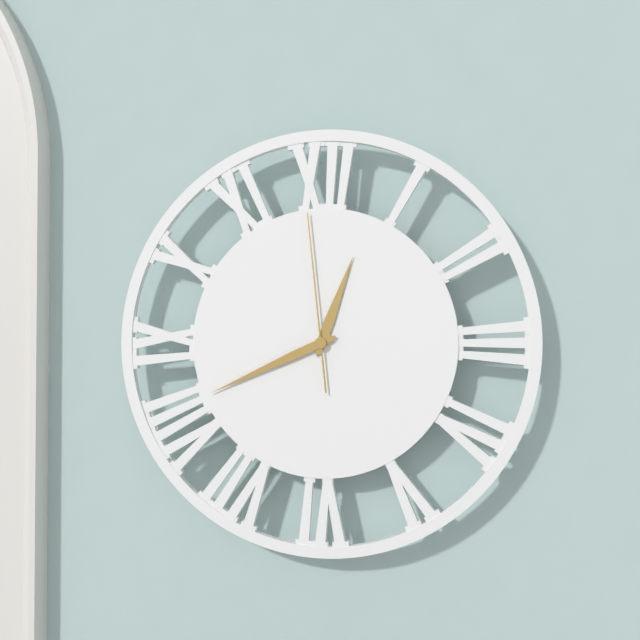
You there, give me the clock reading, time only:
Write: 12:41:59
